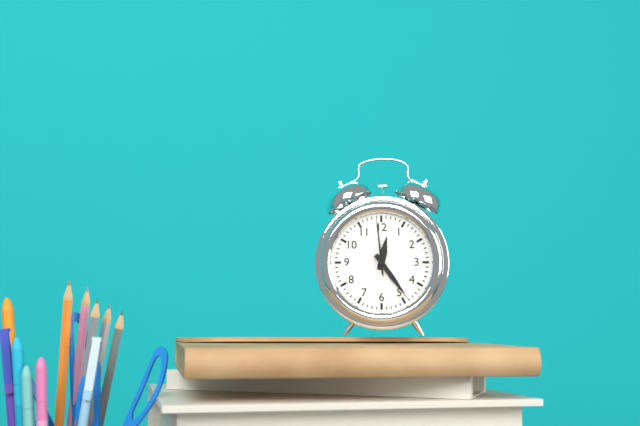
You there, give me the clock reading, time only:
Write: 12:24:59
